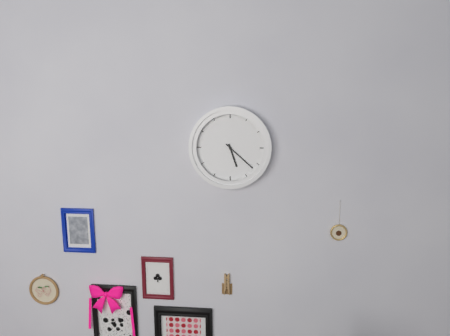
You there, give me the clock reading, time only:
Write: 5:22
